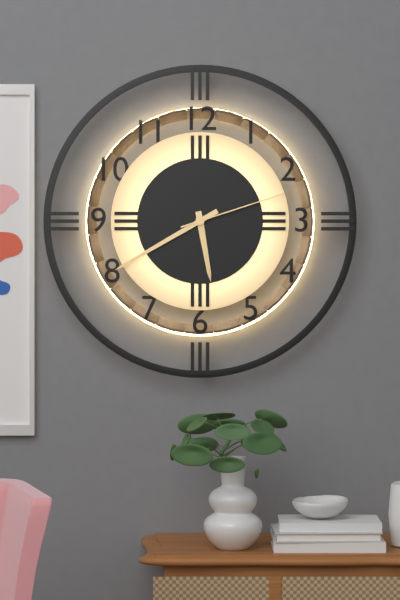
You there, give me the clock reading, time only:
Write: 5:40:12
